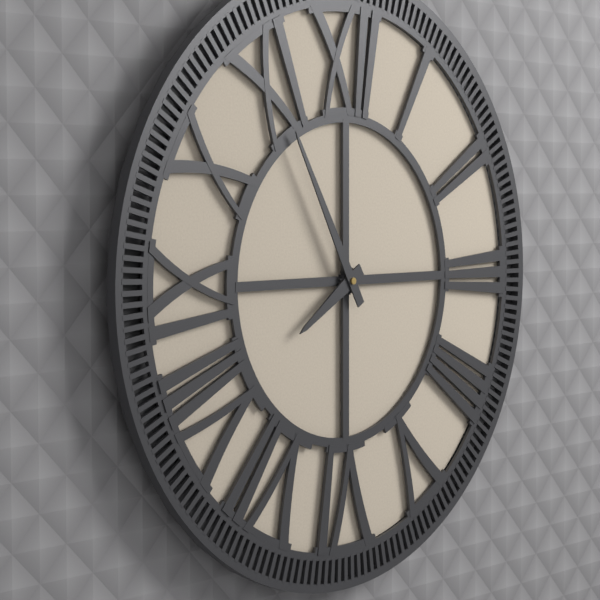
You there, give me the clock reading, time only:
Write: 7:55
